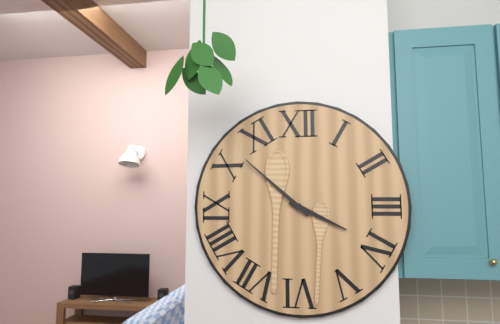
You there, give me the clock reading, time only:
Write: 3:52
